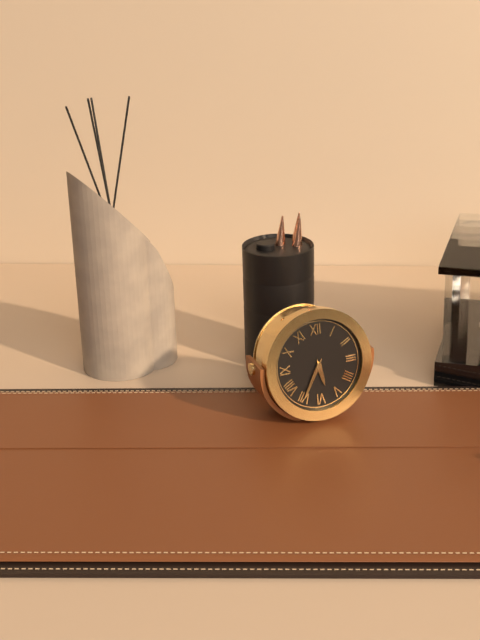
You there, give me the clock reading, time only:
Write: 5:35
